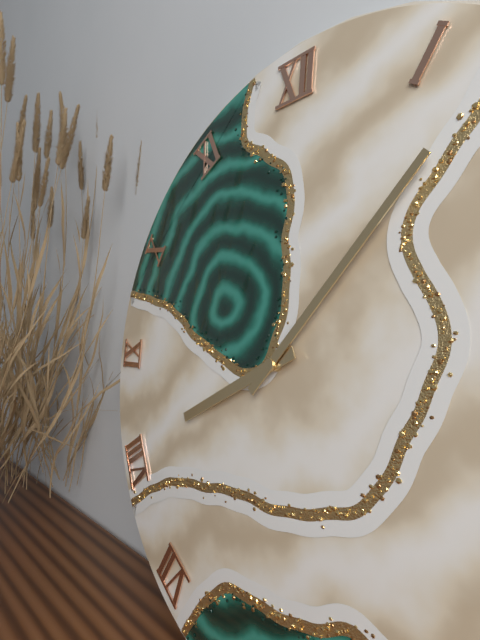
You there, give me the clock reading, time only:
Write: 8:07
